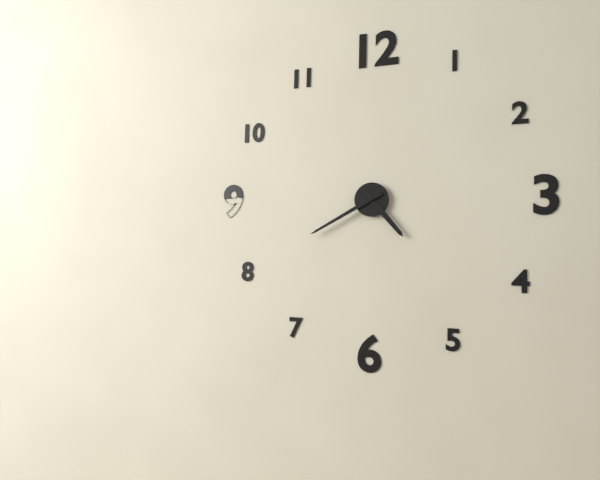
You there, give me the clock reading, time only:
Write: 4:40
